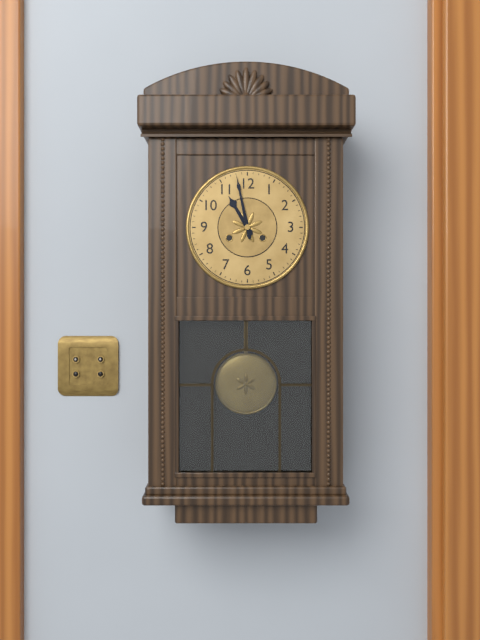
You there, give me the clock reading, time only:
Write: 10:58
